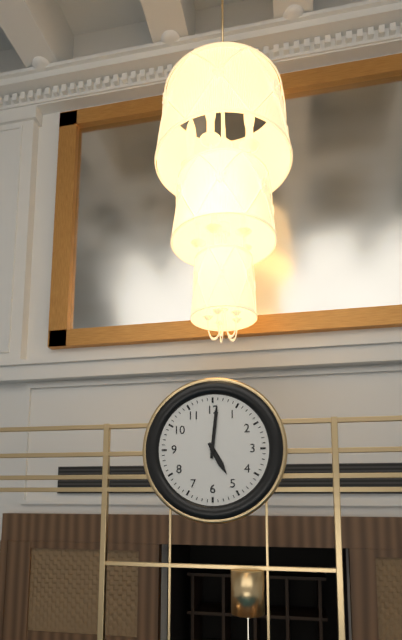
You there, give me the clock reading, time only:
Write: 5:01
